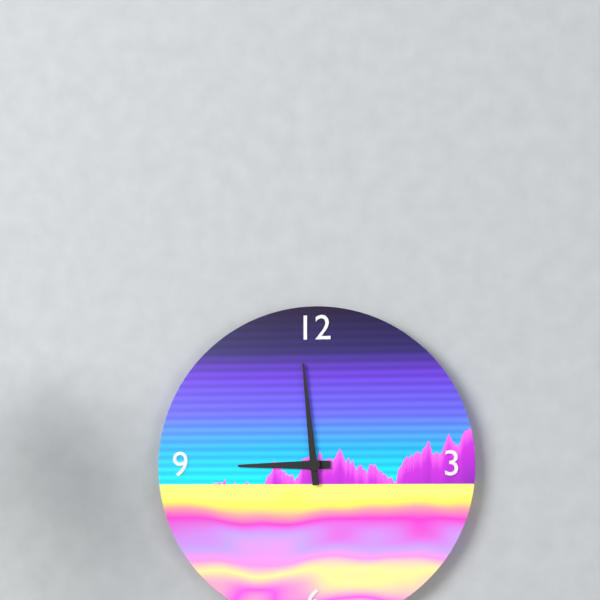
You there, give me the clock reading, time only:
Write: 8:59
